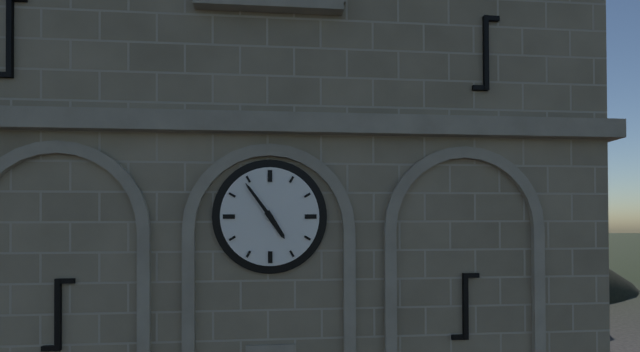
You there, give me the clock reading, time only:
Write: 4:54
